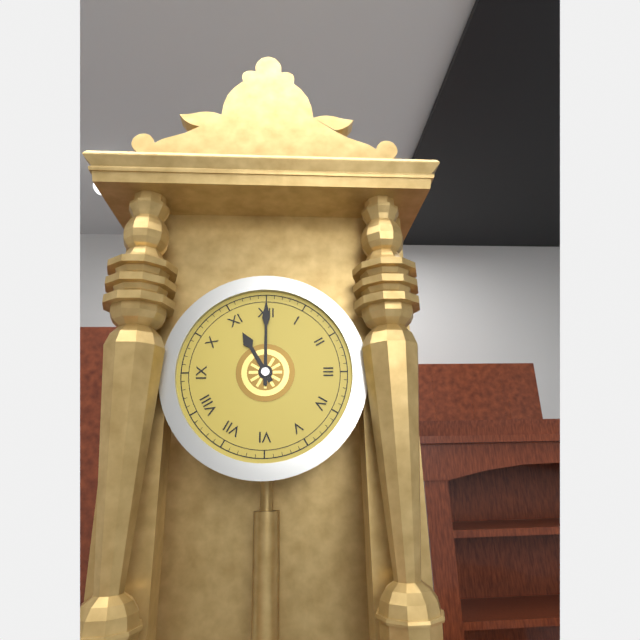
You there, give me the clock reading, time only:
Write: 11:00
